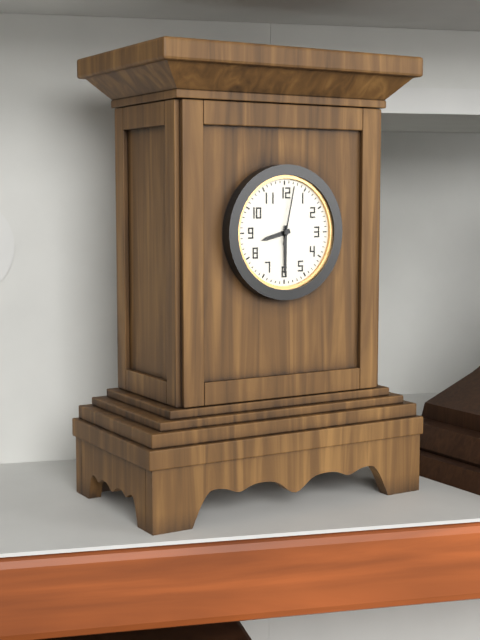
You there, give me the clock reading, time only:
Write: 8:30:02
